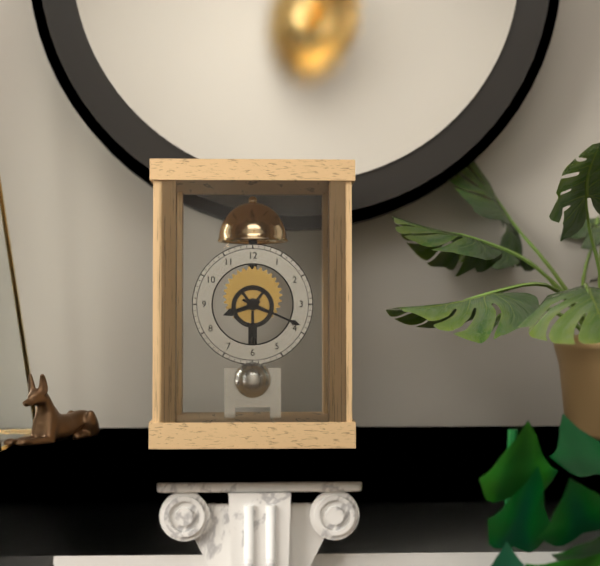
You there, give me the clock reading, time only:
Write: 8:19
